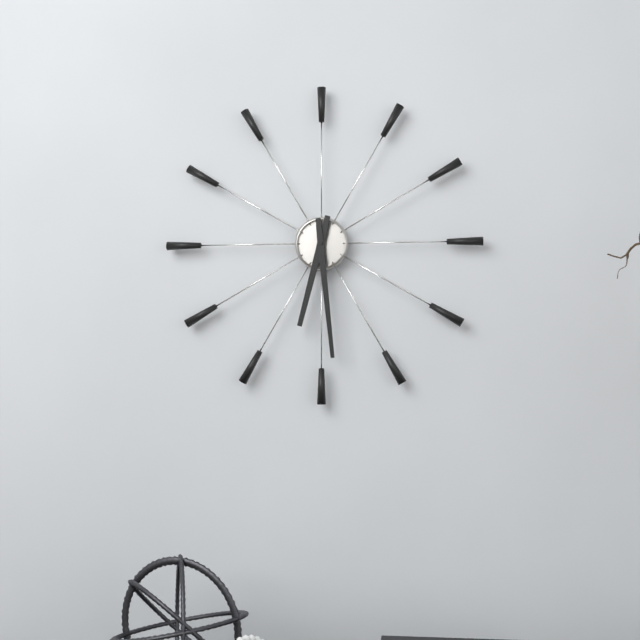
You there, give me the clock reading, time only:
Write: 6:29
